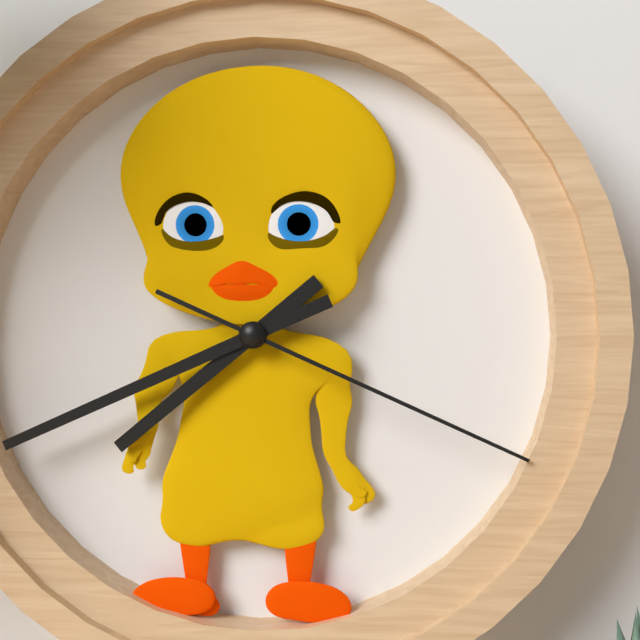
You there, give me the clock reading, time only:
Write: 7:41:19
